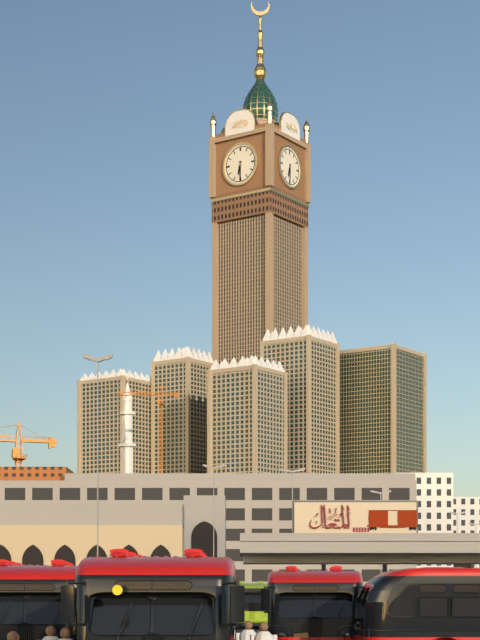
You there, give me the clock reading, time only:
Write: 6:30
